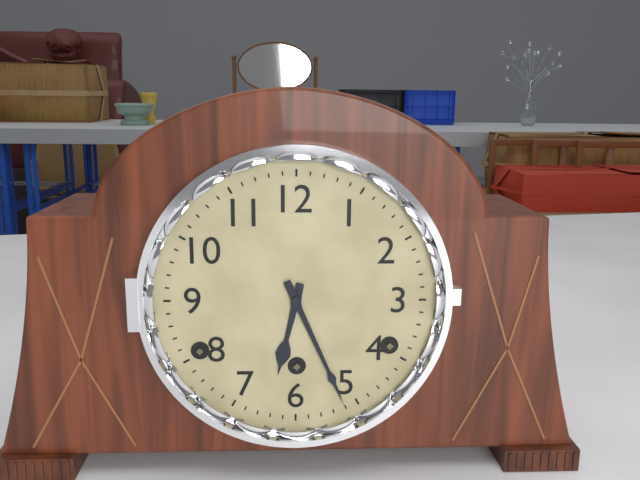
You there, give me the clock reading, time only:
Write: 6:26
